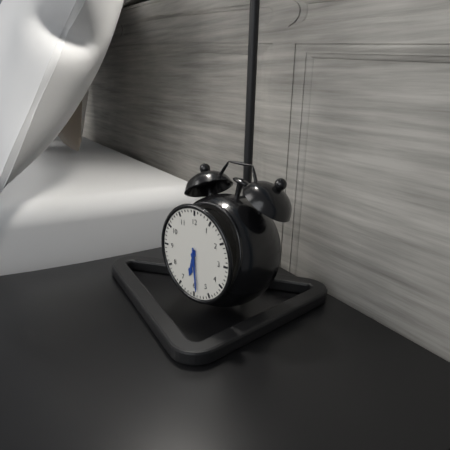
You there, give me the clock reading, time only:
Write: 6:29
